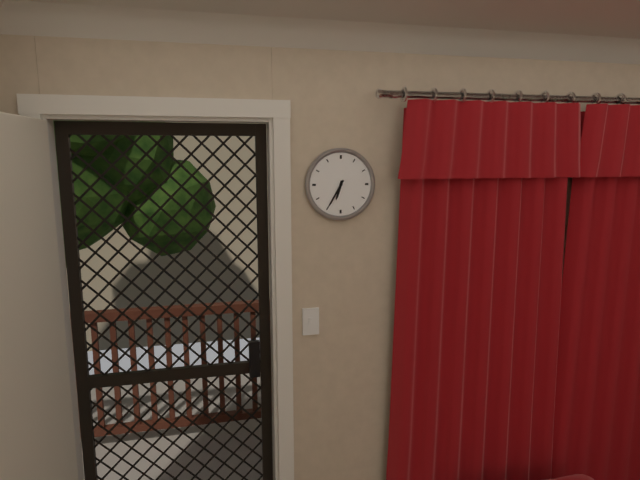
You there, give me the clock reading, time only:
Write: 6:35
